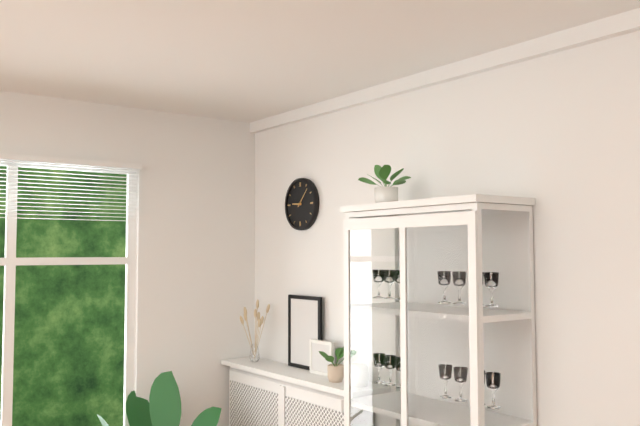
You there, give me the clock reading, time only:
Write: 9:07
